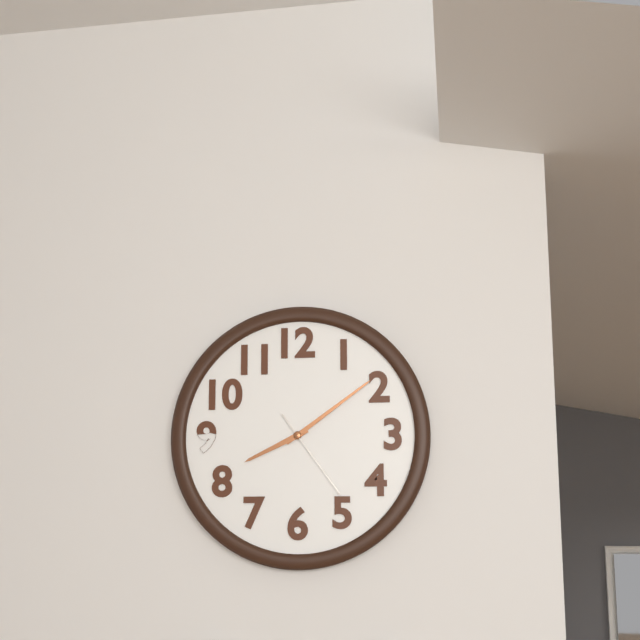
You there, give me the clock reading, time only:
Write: 8:09:24
